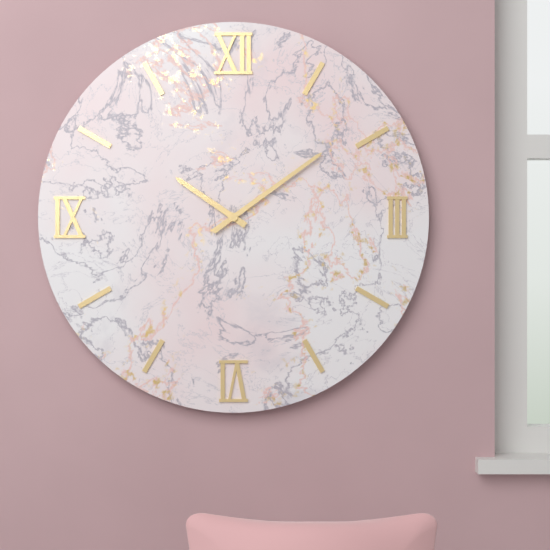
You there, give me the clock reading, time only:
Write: 10:09
